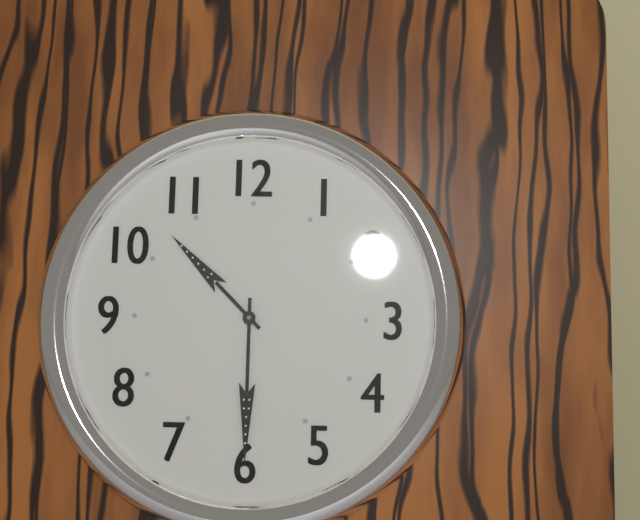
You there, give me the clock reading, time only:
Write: 10:30
